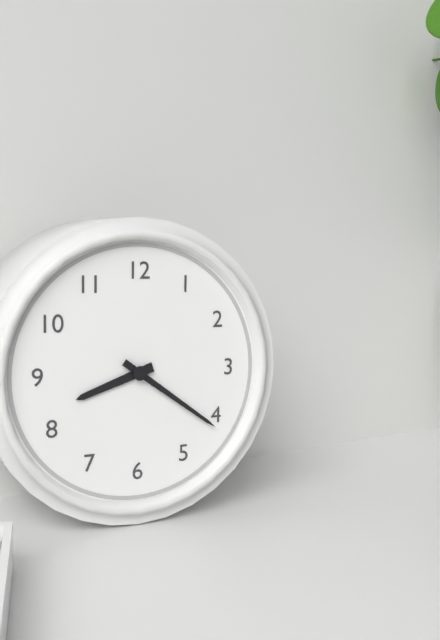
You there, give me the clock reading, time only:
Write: 8:21
